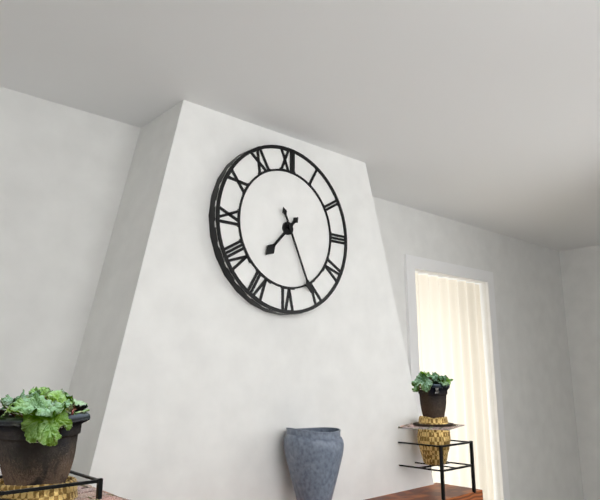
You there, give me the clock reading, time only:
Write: 7:26
